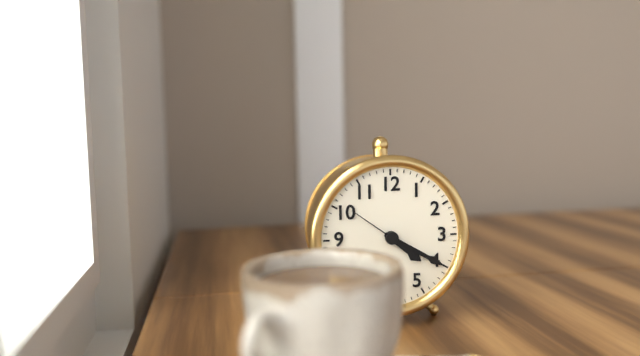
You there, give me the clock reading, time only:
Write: 4:20:51
